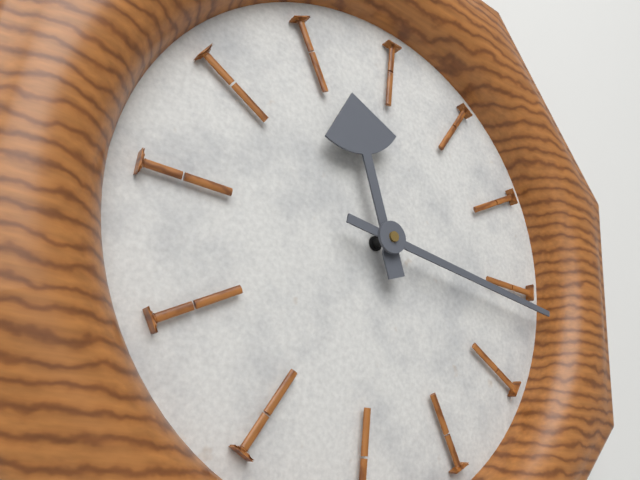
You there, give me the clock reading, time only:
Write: 11:16
